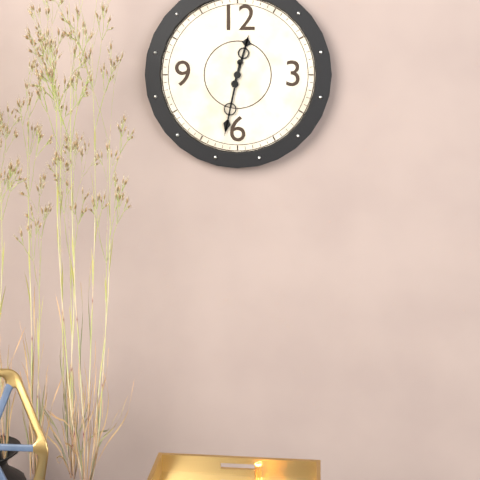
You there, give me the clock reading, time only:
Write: 12:32
